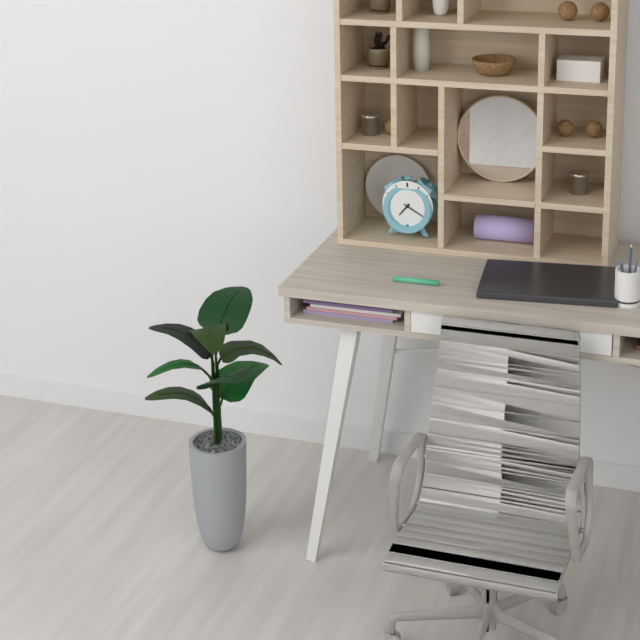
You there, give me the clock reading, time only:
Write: 7:20
